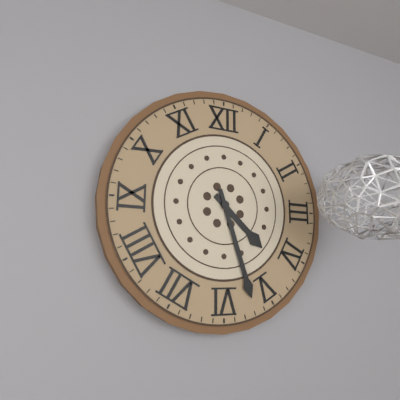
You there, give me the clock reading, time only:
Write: 4:27
